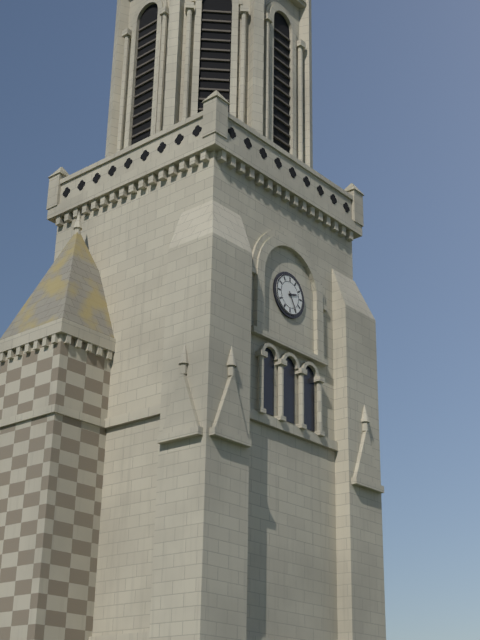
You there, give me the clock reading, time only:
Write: 2:25
